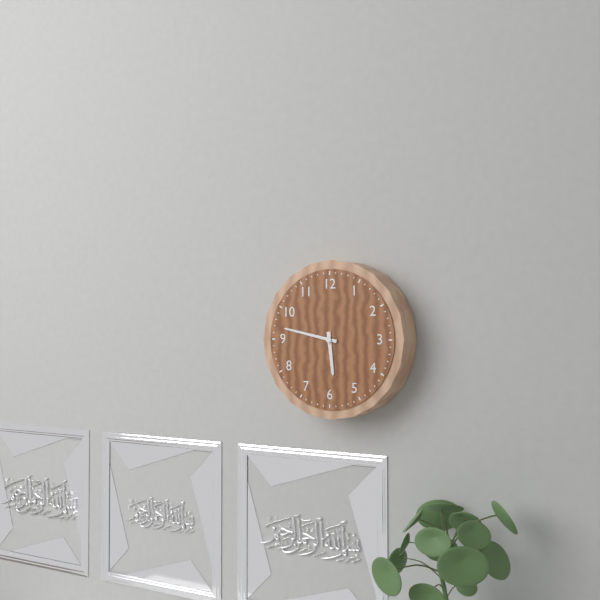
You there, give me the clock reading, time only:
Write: 5:47
